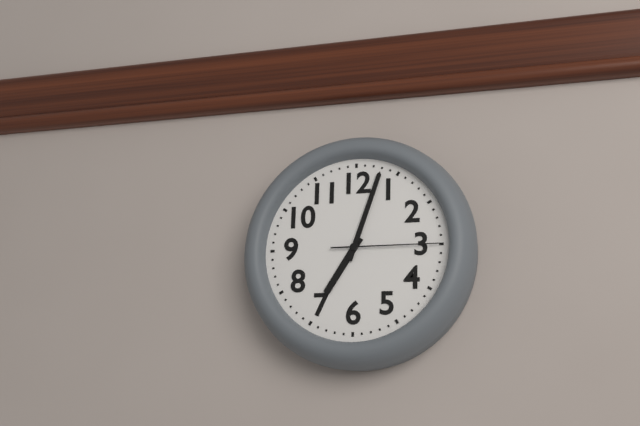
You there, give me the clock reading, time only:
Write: 7:03:15
